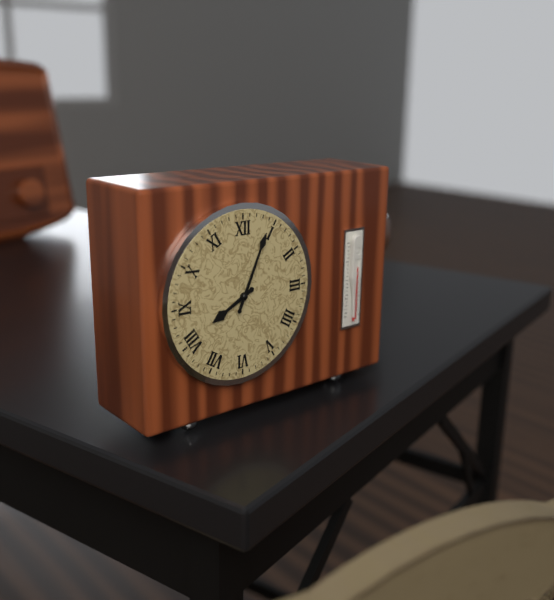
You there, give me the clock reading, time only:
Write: 8:04
